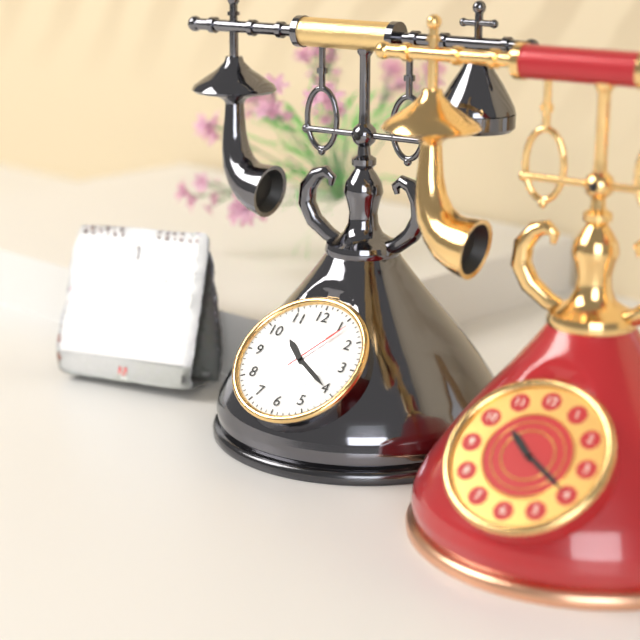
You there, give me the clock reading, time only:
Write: 10:20:06
